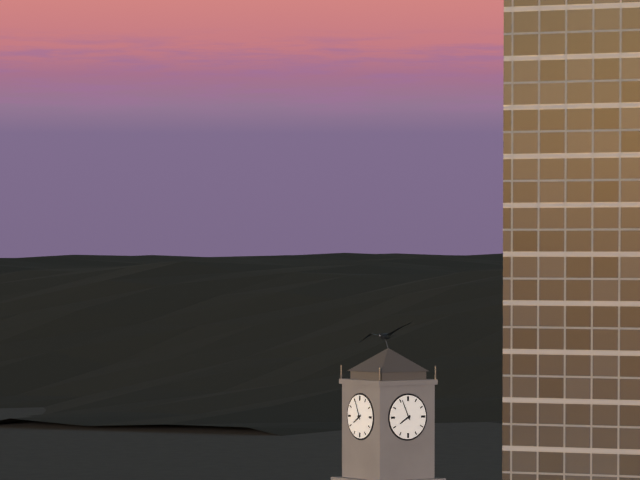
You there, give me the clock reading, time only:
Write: 7:56
